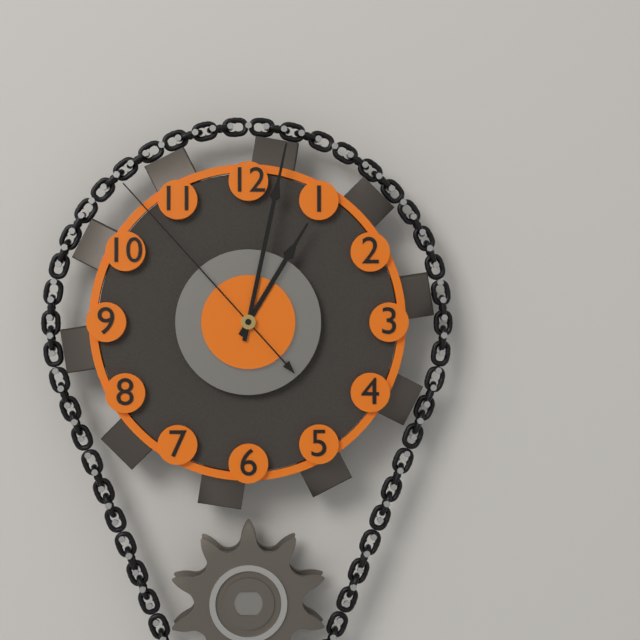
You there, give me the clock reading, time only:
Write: 1:02:53
